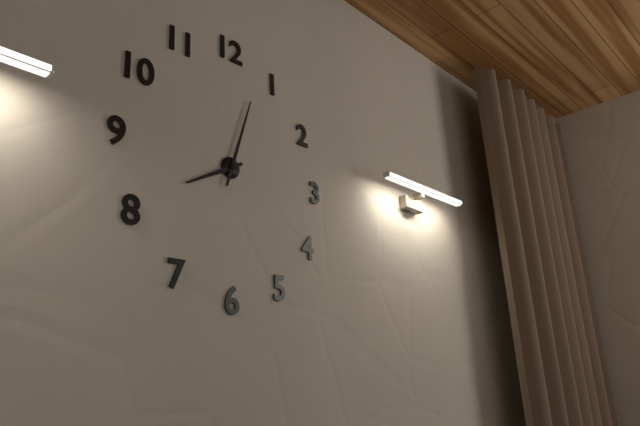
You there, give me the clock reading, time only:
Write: 8:03
